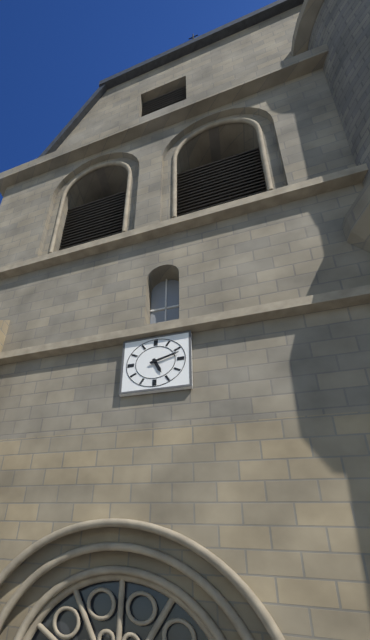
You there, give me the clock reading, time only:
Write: 5:12
